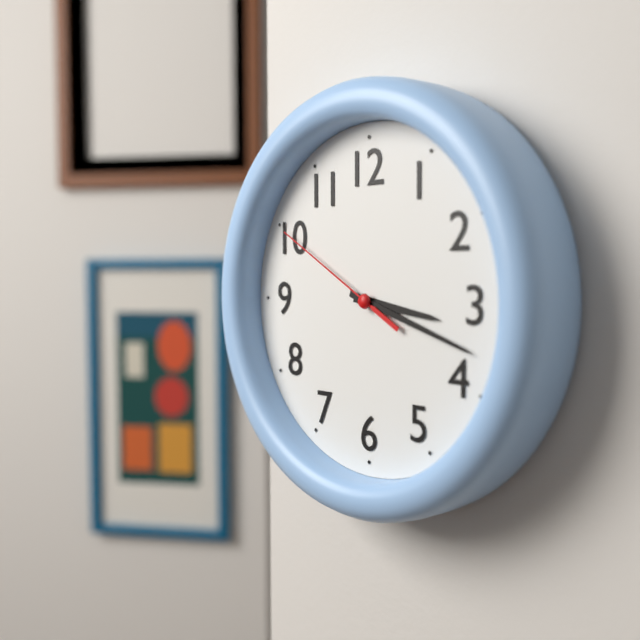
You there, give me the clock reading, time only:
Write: 3:18:50
